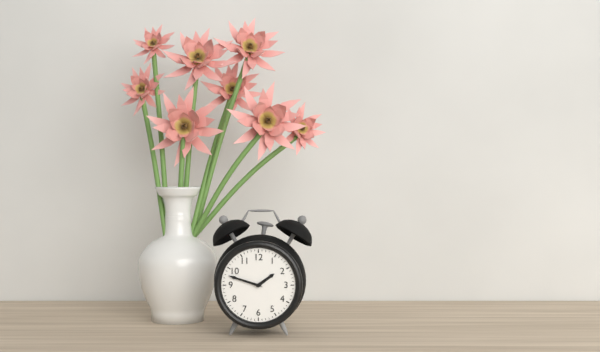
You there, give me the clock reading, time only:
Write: 1:48
